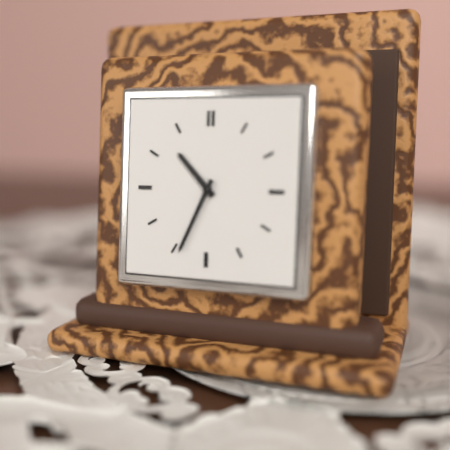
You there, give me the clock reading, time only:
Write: 10:34
